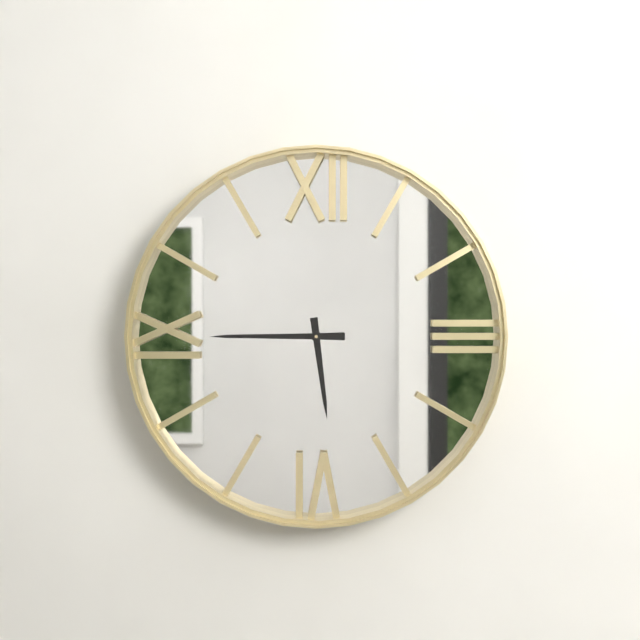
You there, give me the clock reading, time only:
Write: 5:45
